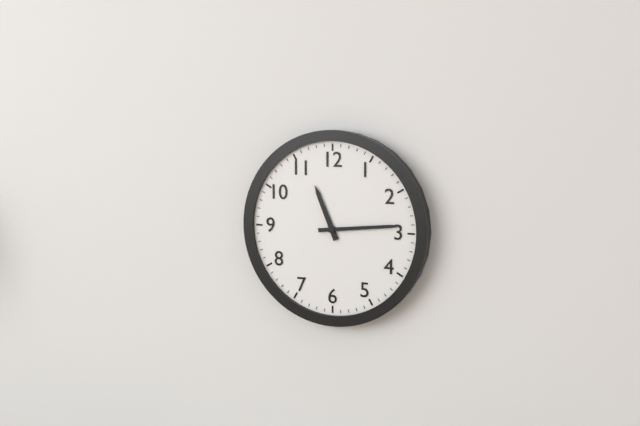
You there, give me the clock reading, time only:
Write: 11:14
